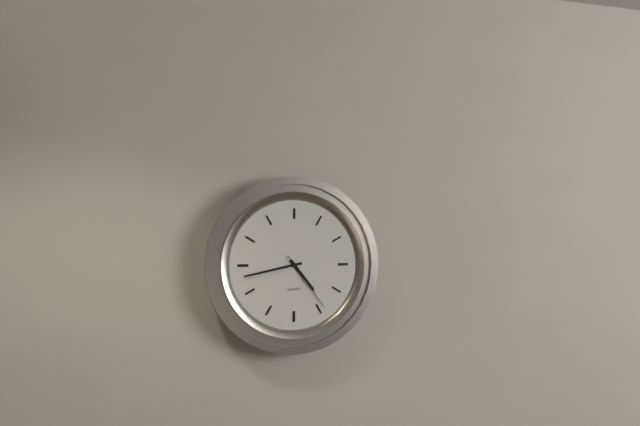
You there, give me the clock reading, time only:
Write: 4:43:24
